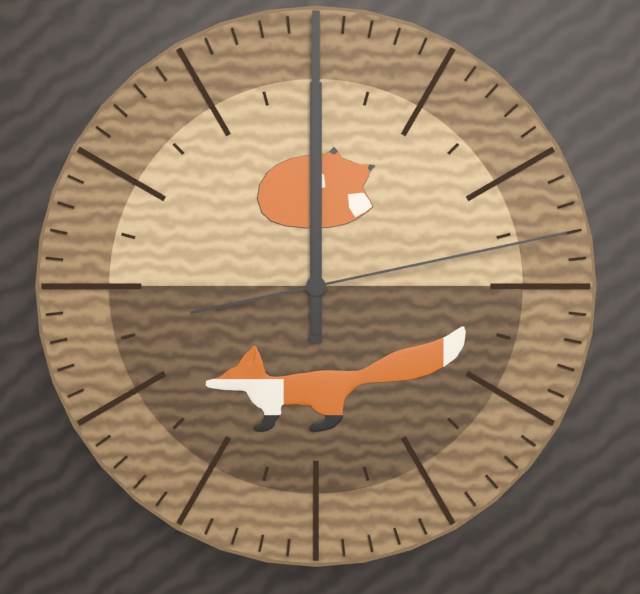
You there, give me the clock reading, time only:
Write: 12:00:13
